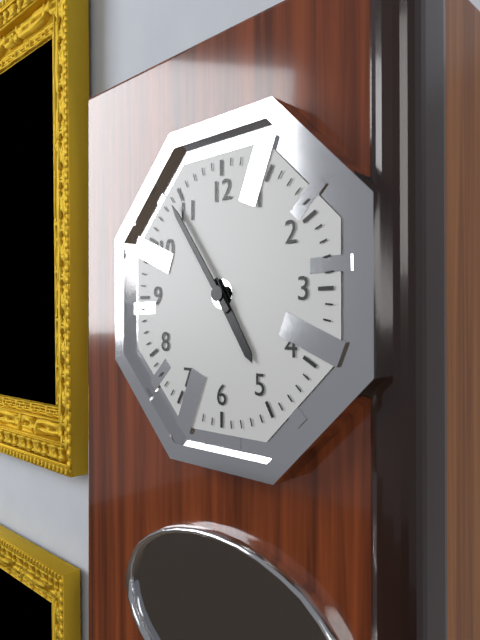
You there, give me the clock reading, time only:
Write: 4:54
